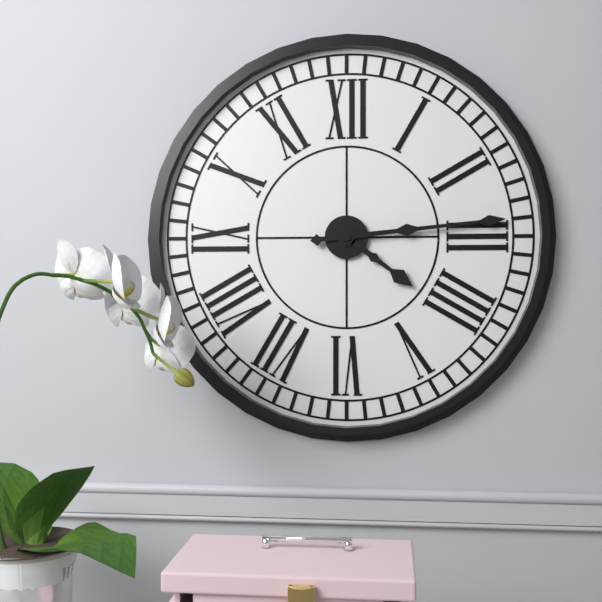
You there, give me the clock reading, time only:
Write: 4:14
